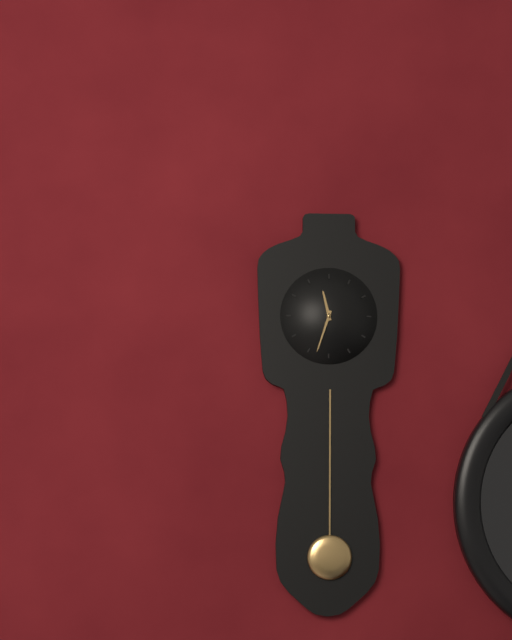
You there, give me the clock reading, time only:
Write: 11:33
